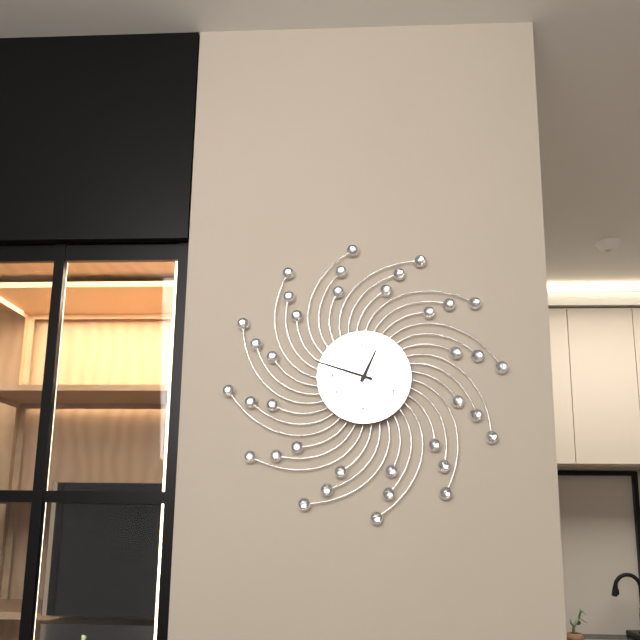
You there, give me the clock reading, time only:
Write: 12:48
